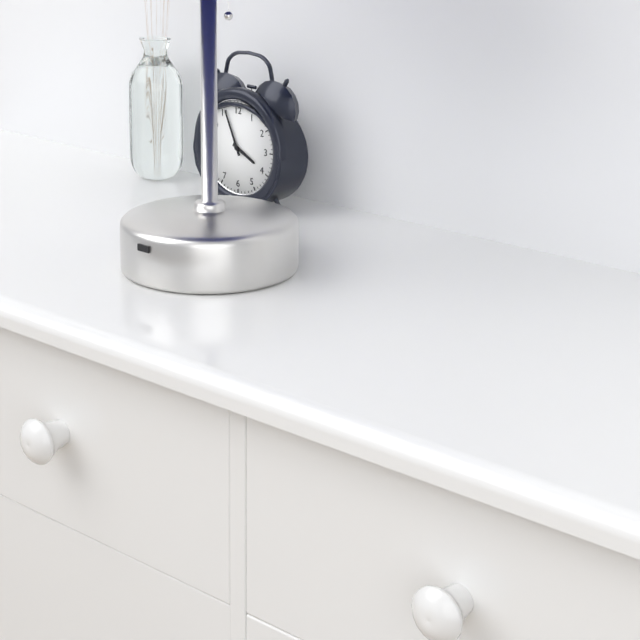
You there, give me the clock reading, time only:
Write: 3:56
